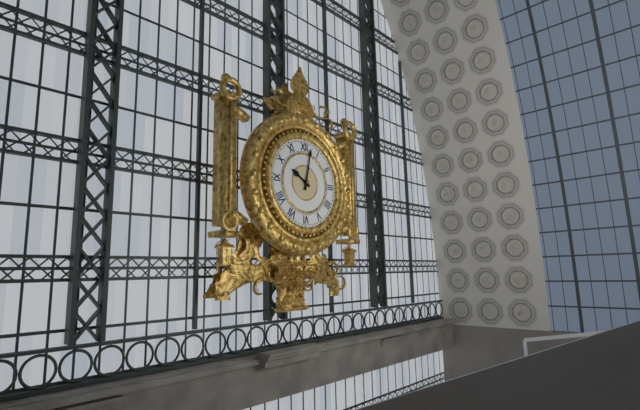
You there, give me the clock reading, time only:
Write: 10:02
